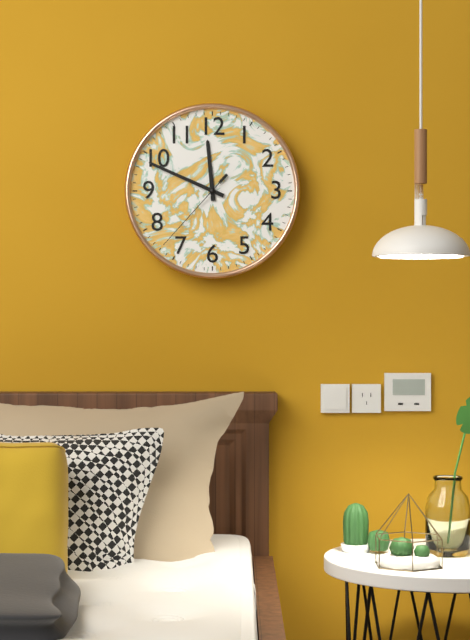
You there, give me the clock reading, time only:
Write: 11:49:37
